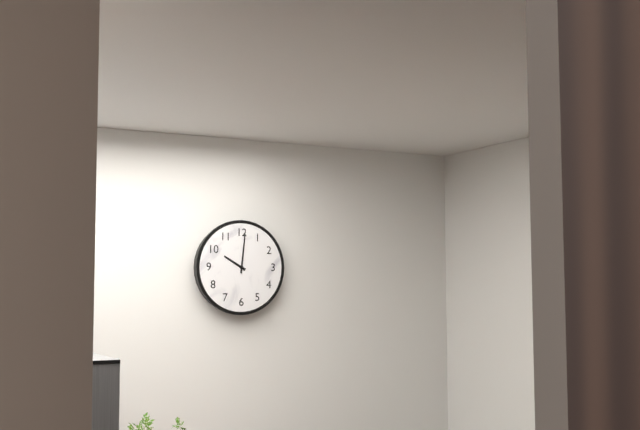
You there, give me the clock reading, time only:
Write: 10:01
